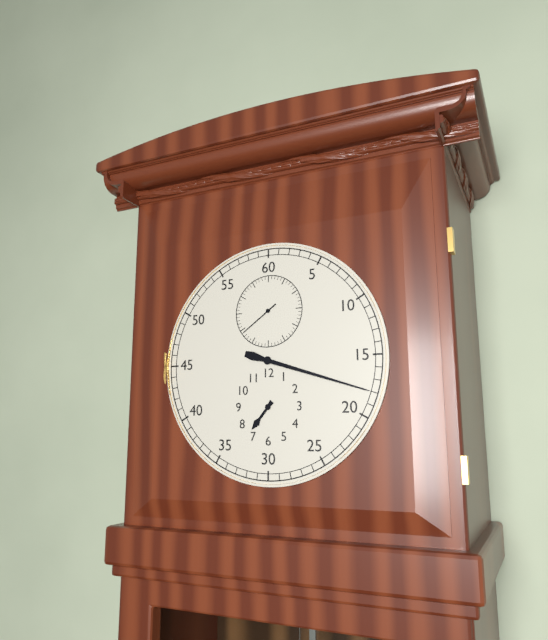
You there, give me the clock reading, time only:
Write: 7:18
